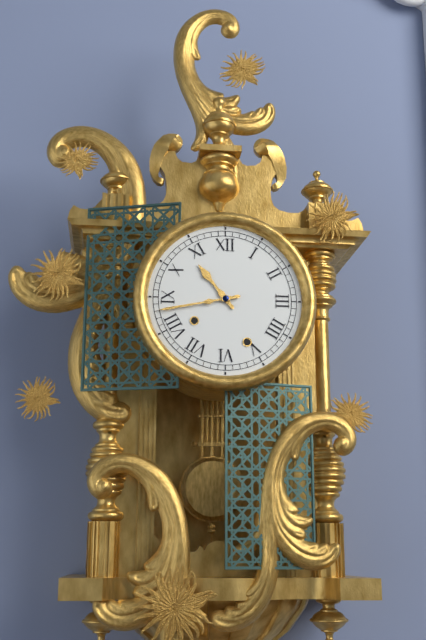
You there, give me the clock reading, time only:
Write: 10:43
